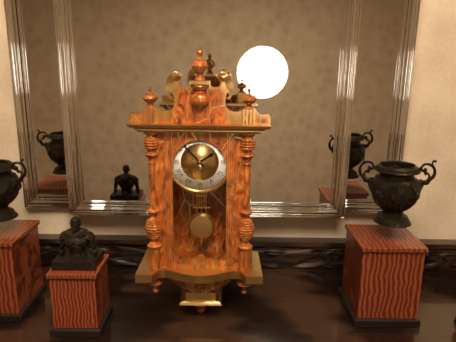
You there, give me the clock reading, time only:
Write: 1:53
